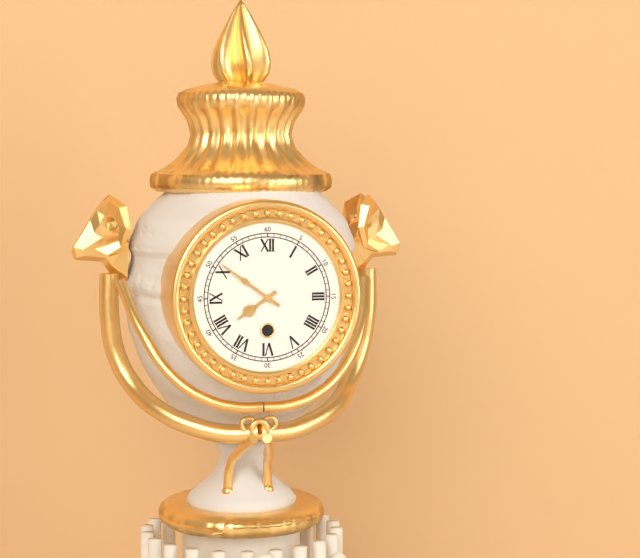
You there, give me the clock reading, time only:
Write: 7:51
